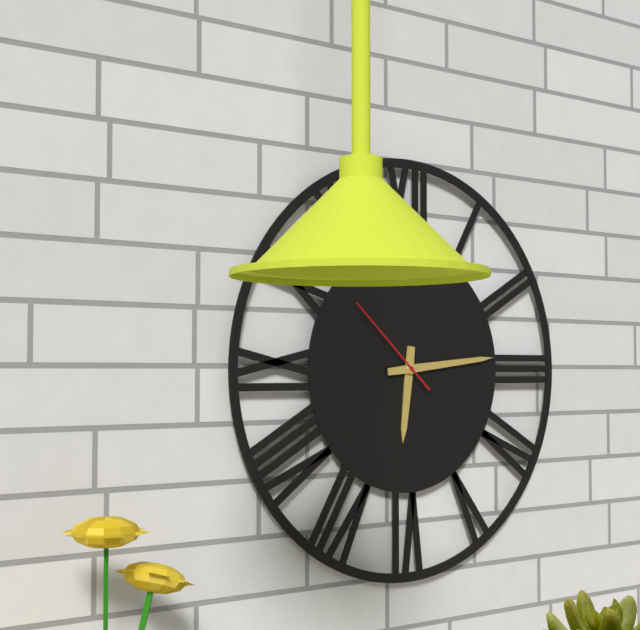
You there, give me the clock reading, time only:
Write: 6:14:52
